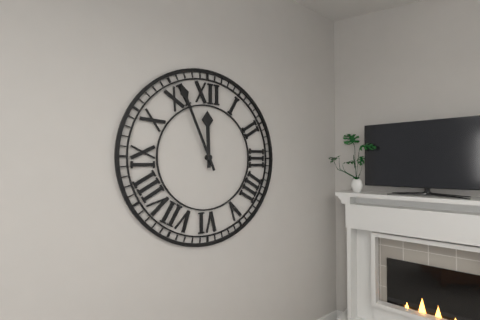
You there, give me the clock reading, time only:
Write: 11:56
